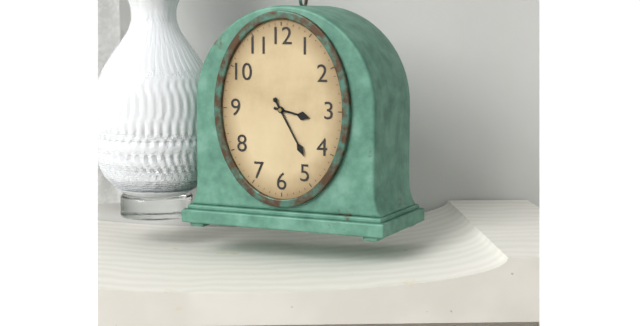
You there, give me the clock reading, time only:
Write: 3:25
